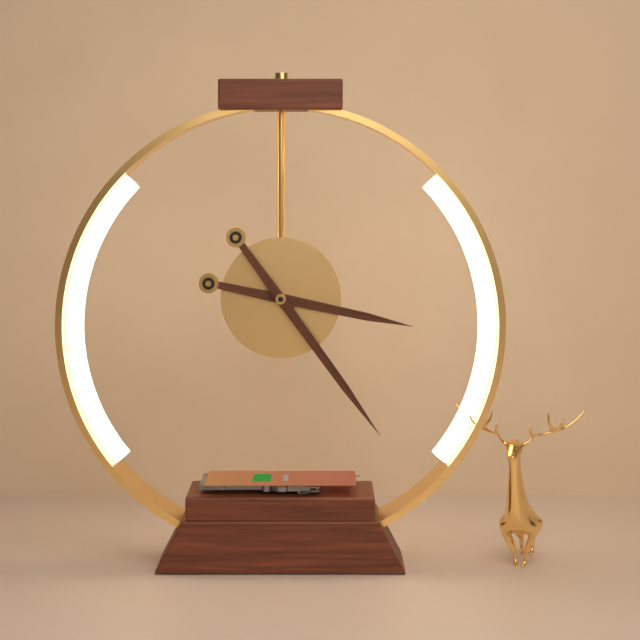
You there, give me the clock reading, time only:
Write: 3:24
